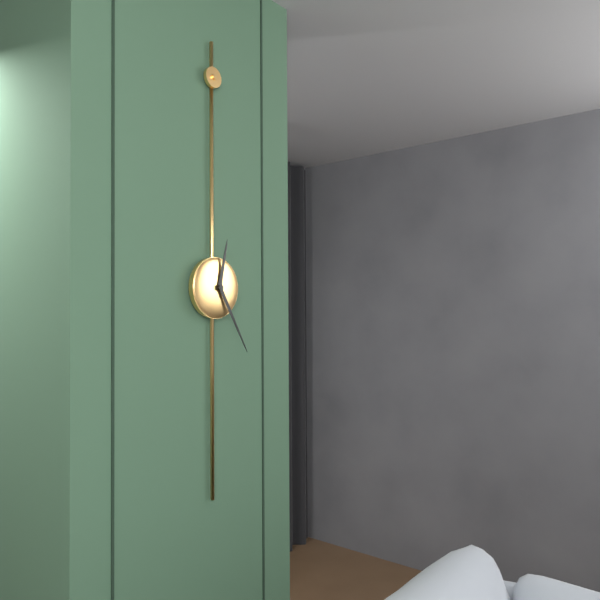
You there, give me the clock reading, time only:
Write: 12:25
